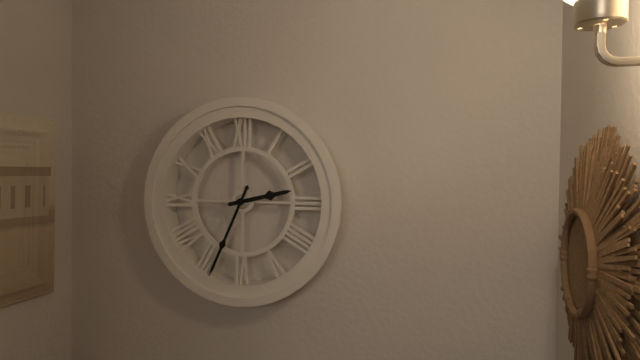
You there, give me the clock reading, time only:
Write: 2:34
